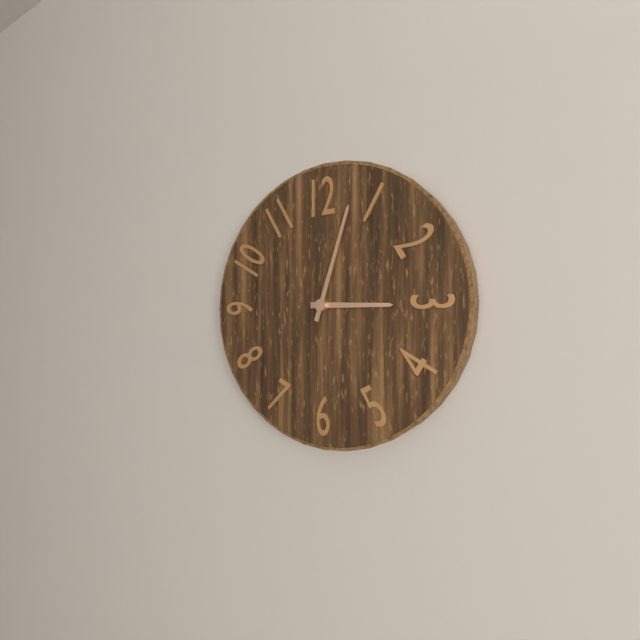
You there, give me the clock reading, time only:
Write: 3:03
